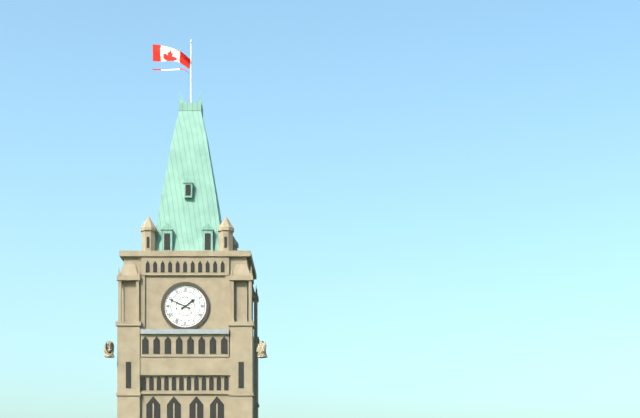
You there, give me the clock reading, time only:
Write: 1:49
